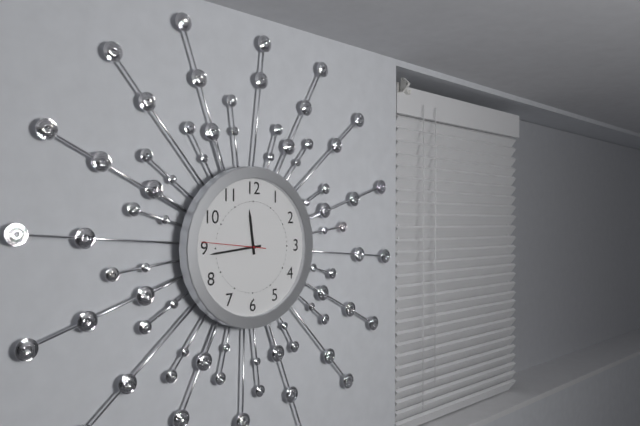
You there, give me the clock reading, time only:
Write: 11:44:46
